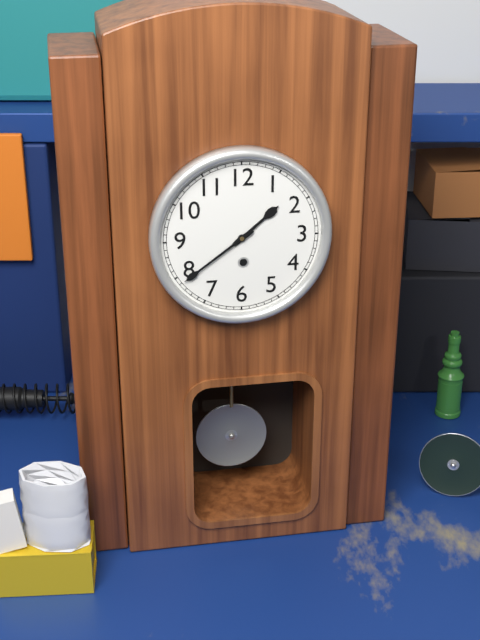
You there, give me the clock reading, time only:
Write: 1:39
